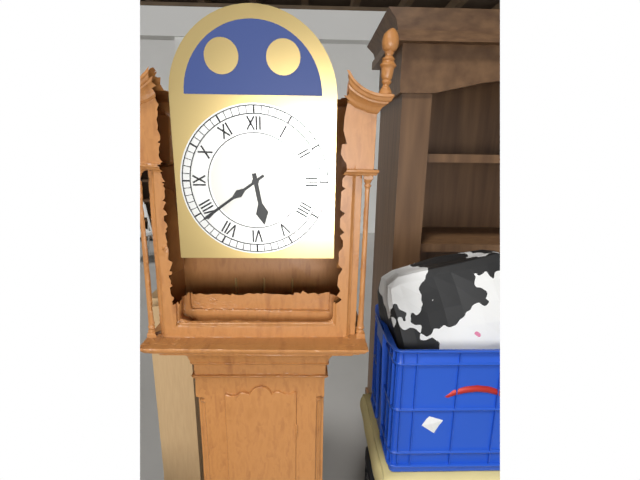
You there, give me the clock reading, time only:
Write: 5:39
